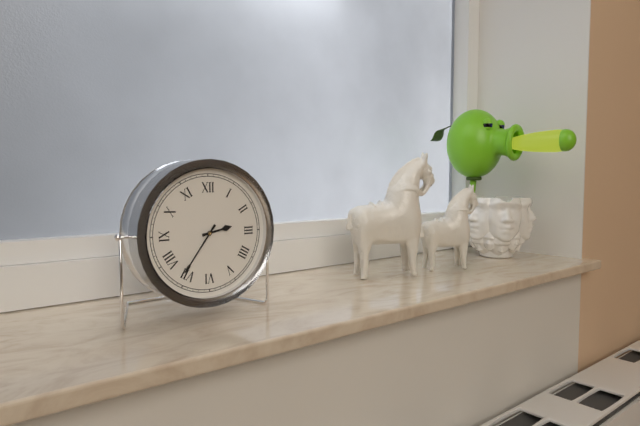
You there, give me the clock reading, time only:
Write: 2:36
